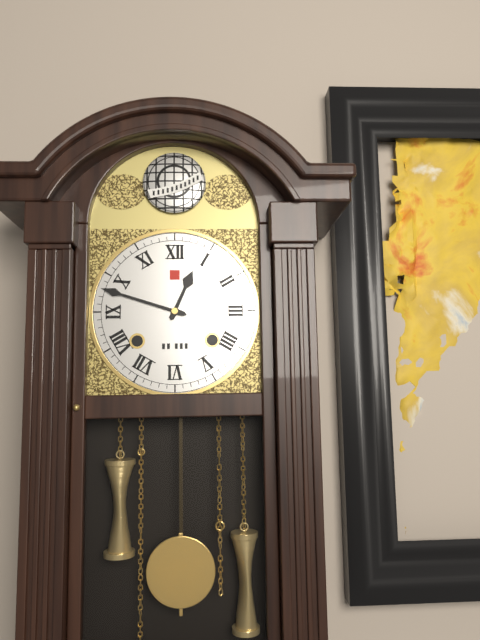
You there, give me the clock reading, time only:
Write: 12:48
